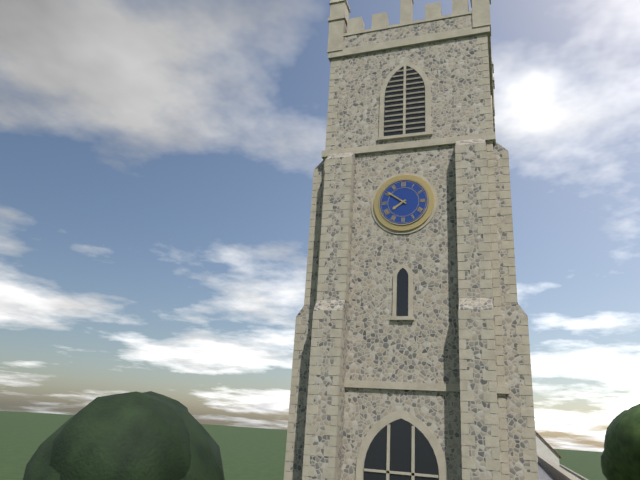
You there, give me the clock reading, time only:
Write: 7:51
